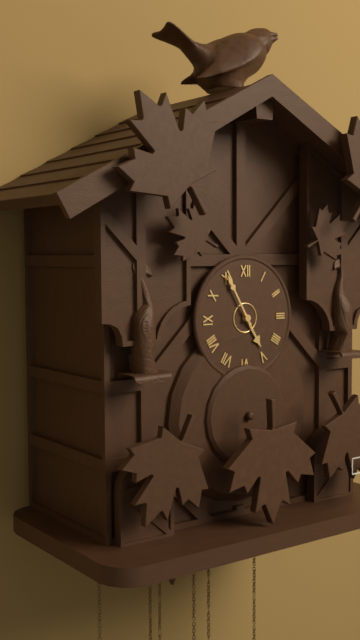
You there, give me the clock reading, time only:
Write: 4:55
